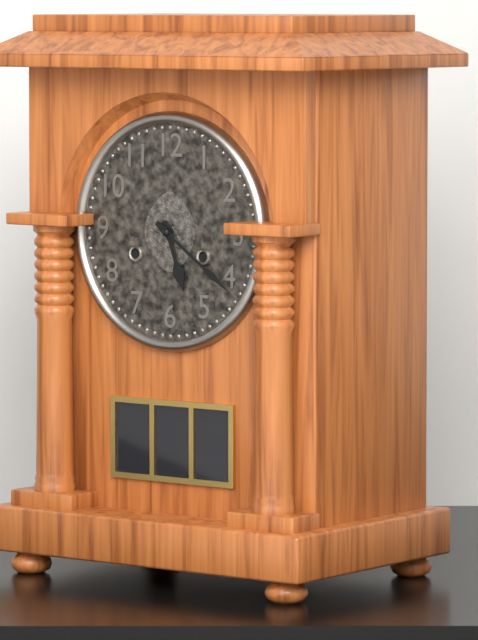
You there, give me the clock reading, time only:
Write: 5:21
